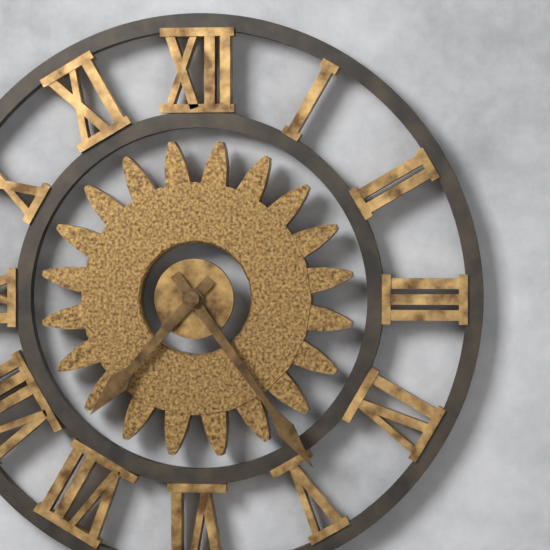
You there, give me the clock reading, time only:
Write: 7:24
